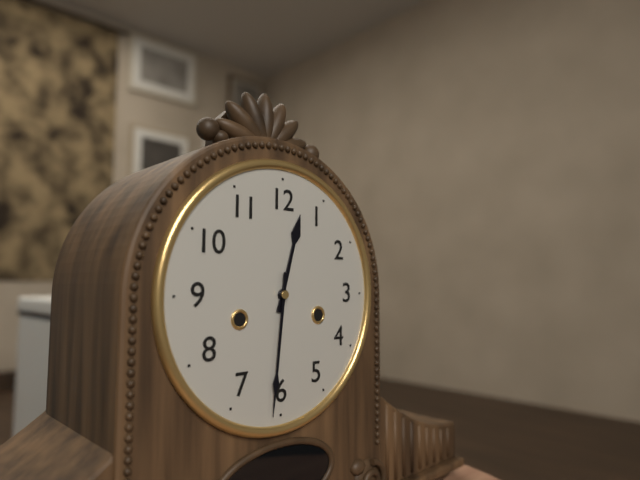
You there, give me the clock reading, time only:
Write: 12:31
